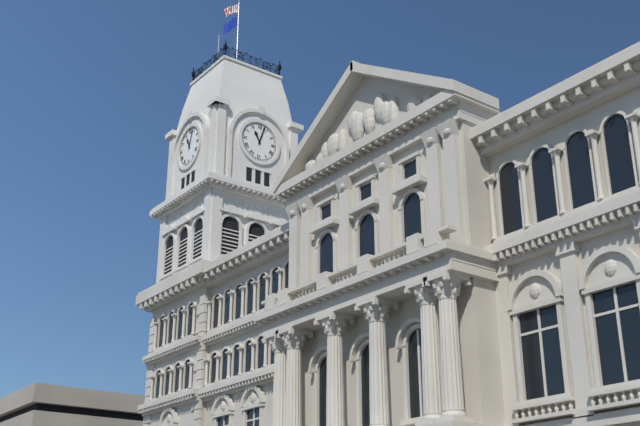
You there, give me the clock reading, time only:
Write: 11:03
